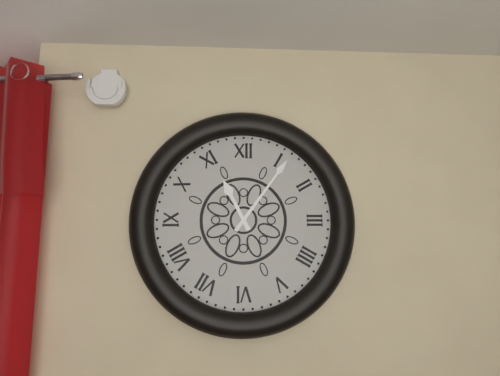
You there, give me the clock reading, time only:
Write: 11:06
